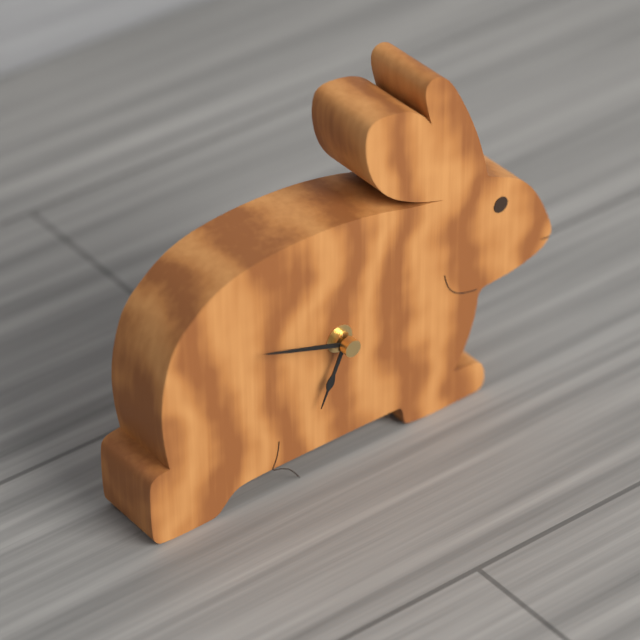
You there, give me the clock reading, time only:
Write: 6:48
